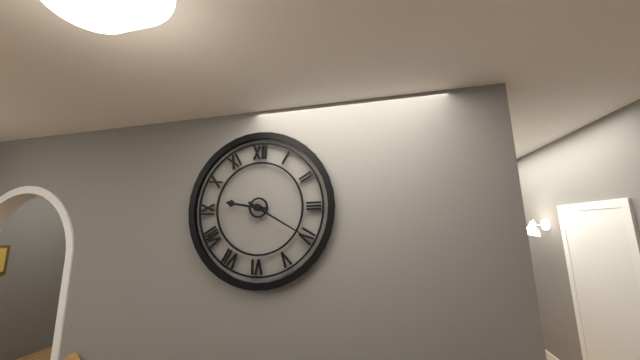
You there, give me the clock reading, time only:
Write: 9:20
